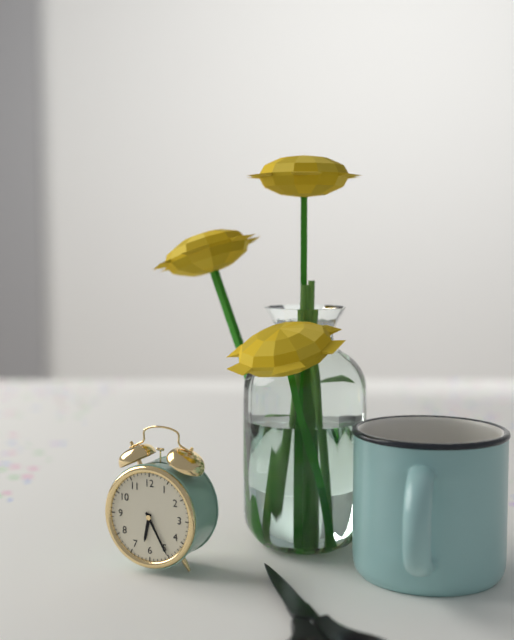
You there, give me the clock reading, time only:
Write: 6:25
